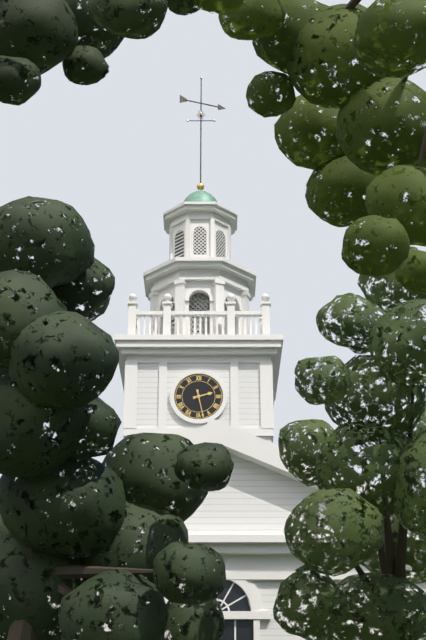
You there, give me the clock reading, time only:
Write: 2:28
